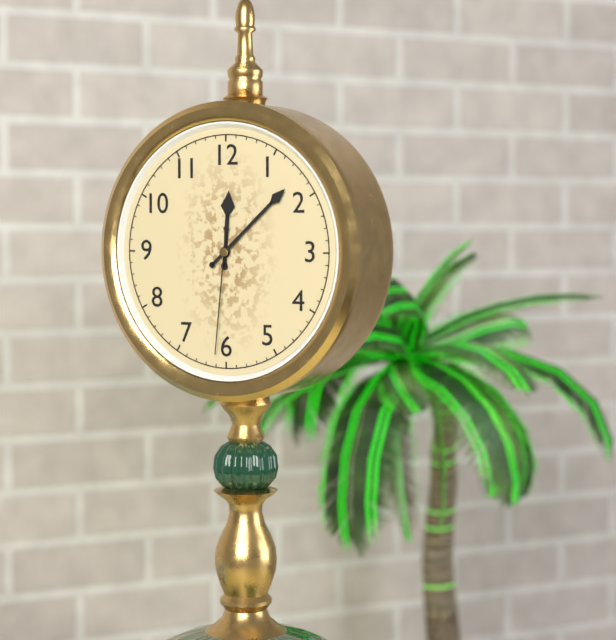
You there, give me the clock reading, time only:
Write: 12:08:31
